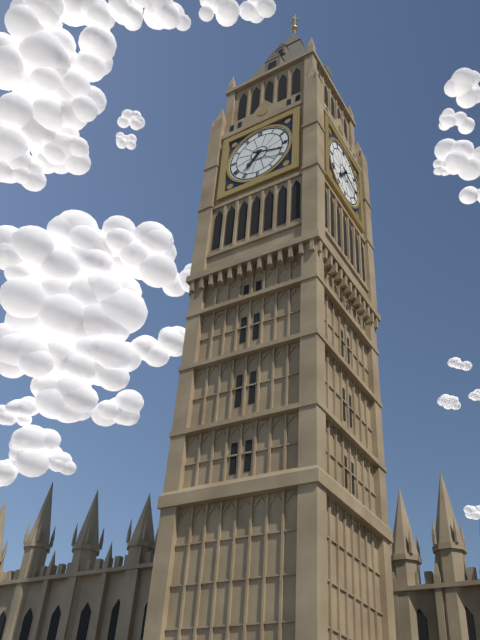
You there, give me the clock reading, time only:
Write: 7:18
